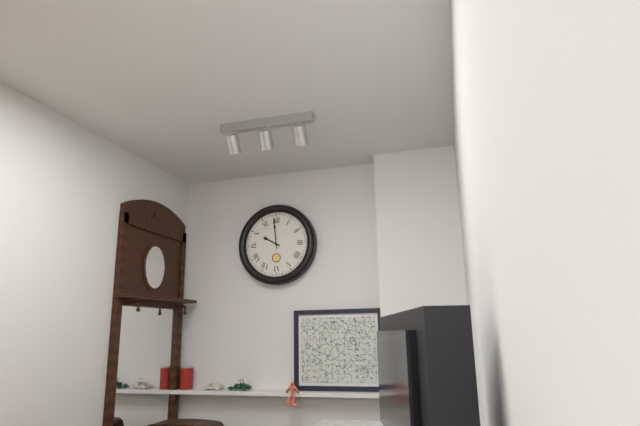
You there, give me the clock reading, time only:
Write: 9:59
